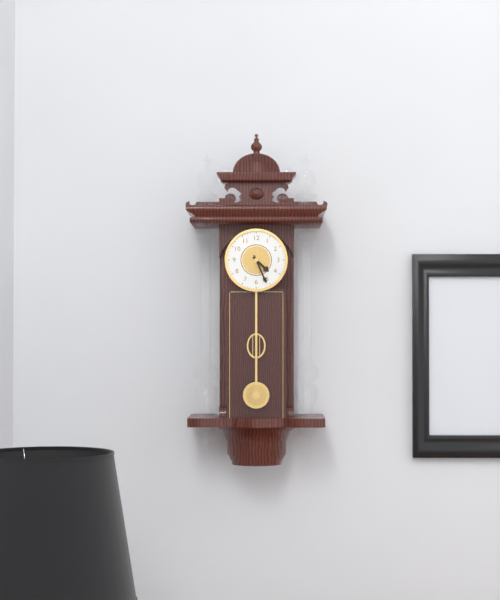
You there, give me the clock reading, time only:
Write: 4:26
